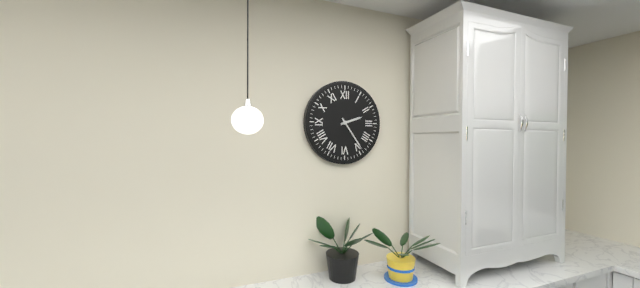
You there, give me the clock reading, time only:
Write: 2:24
